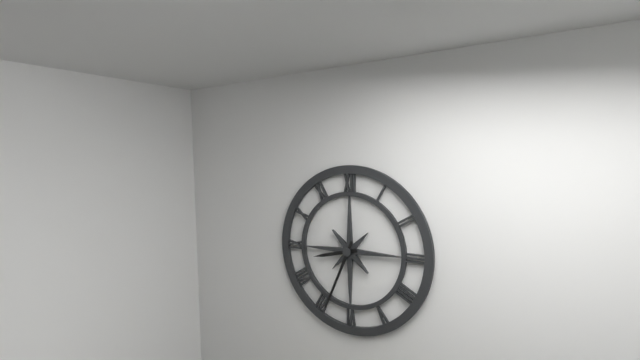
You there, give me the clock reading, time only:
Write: 8:34
